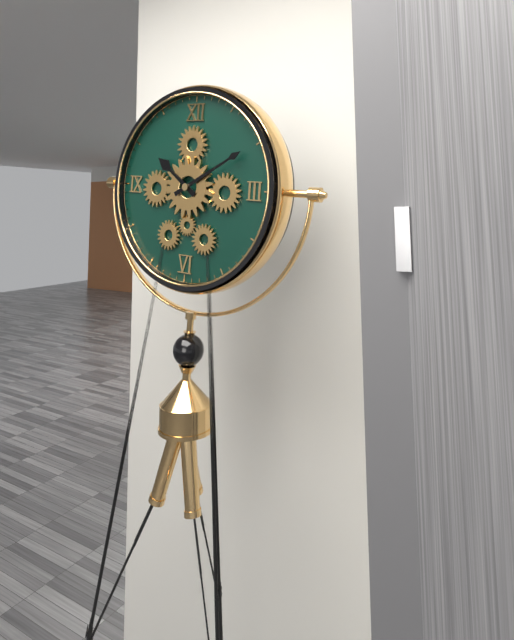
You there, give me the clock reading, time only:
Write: 10:10
